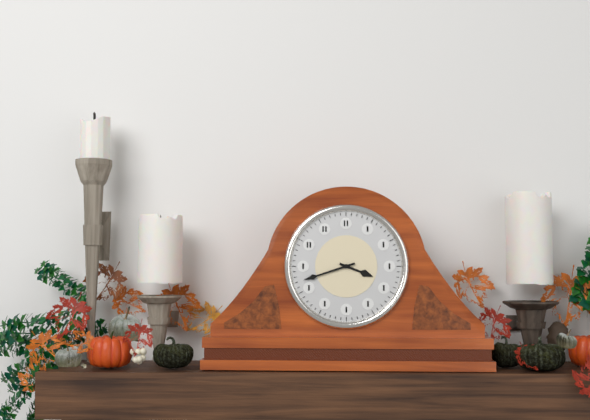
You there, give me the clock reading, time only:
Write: 3:42
